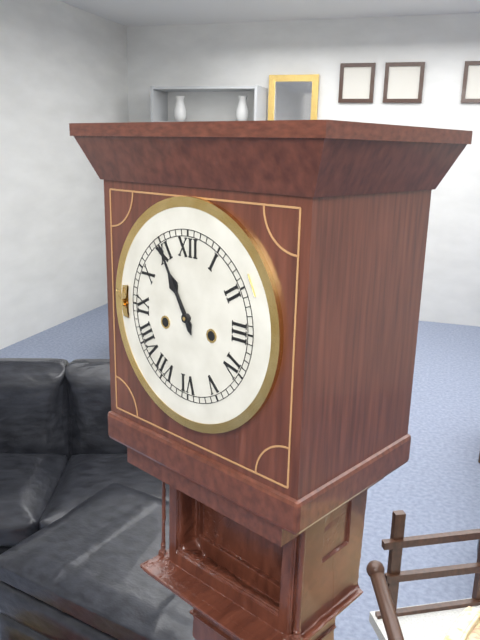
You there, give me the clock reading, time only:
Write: 10:55
